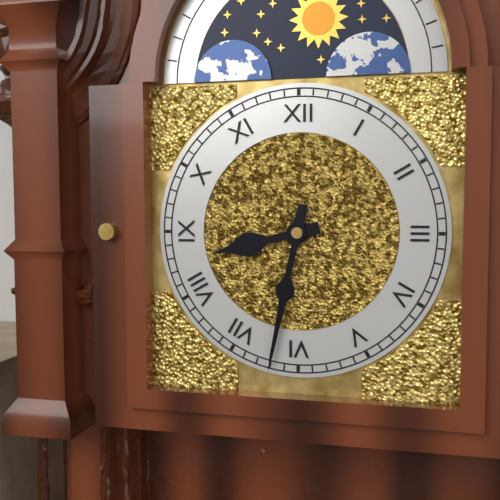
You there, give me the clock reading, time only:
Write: 8:32
